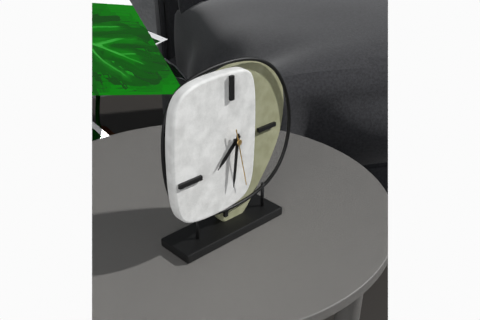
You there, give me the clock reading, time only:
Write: 7:31:28
